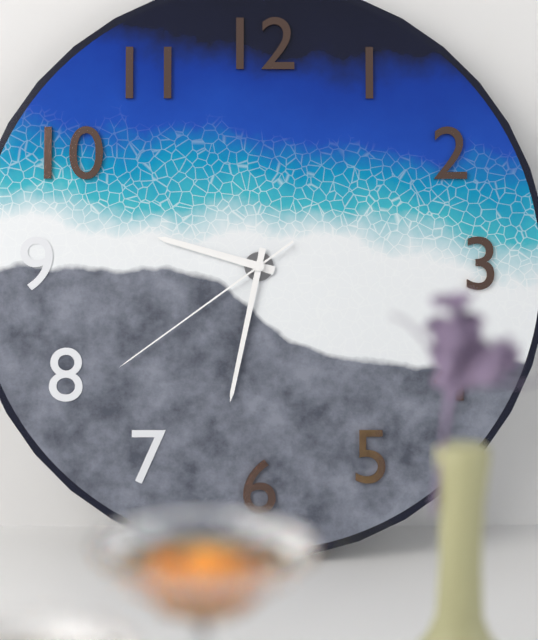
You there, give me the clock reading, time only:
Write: 9:32:39
